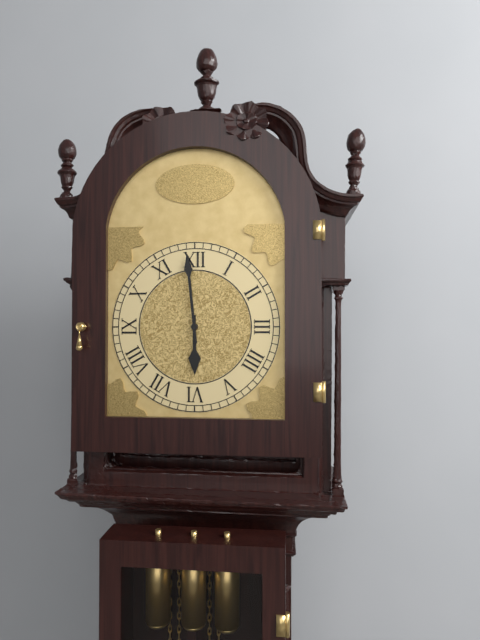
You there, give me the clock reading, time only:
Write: 5:59
